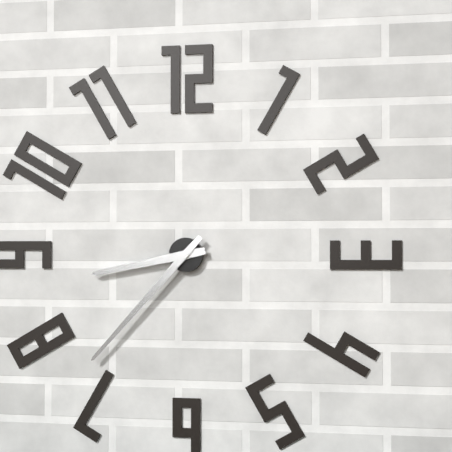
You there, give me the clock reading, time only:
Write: 8:37
